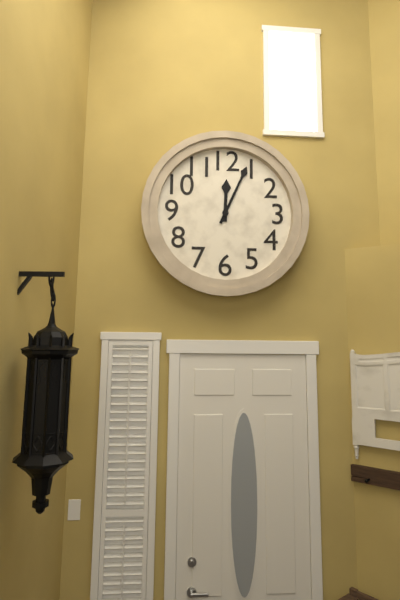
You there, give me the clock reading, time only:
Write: 12:04
